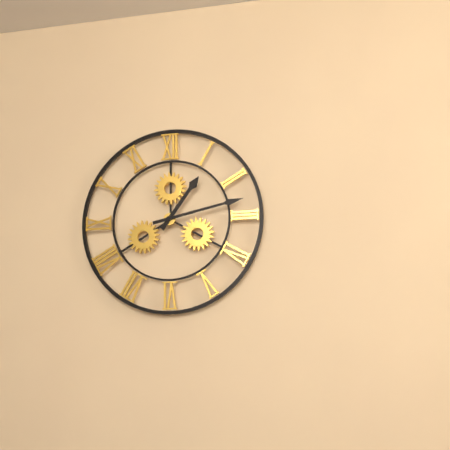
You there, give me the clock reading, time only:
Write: 1:13
